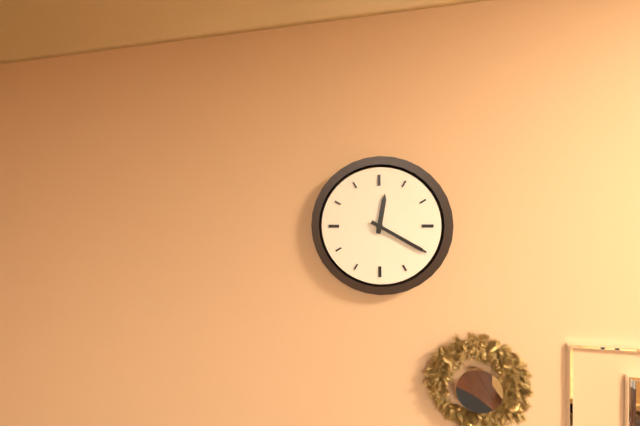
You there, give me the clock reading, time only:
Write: 12:20
